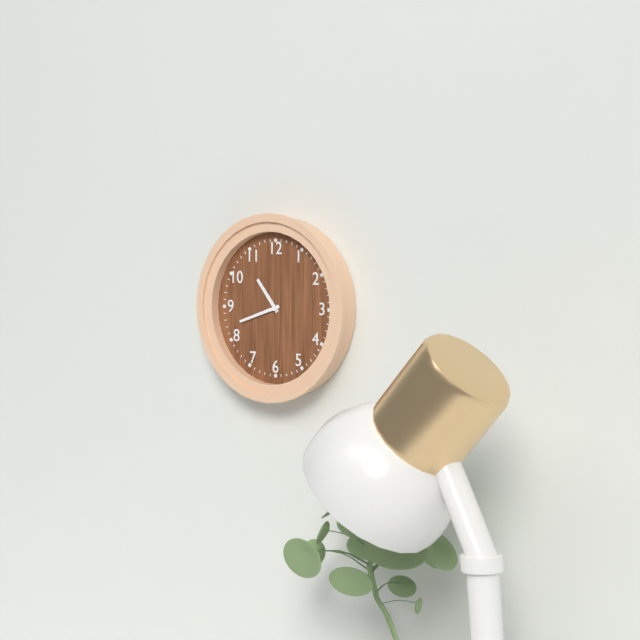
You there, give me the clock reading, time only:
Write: 10:42
